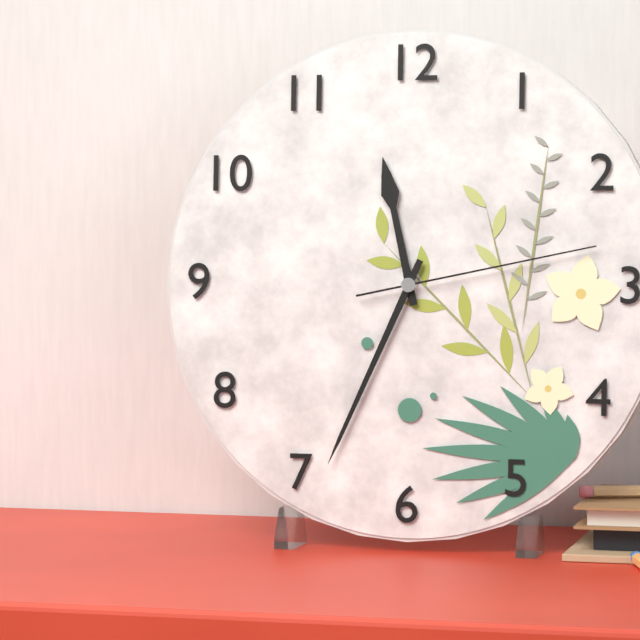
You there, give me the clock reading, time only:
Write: 11:34:13
